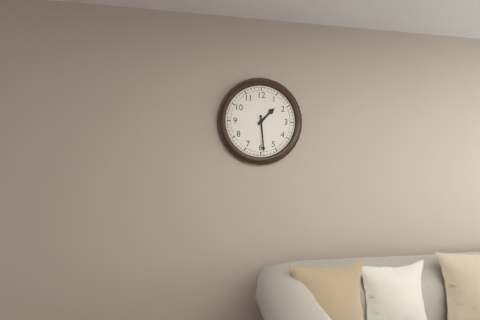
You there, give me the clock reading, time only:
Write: 1:29
